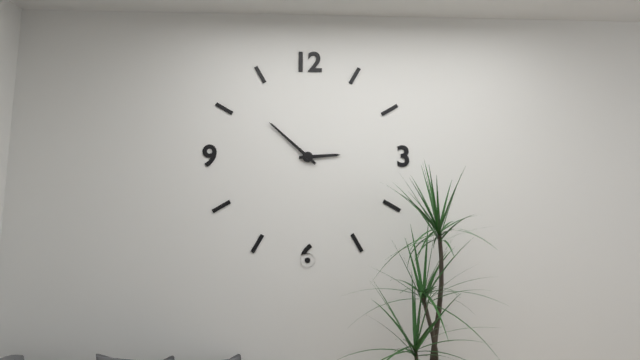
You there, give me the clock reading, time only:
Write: 2:52
